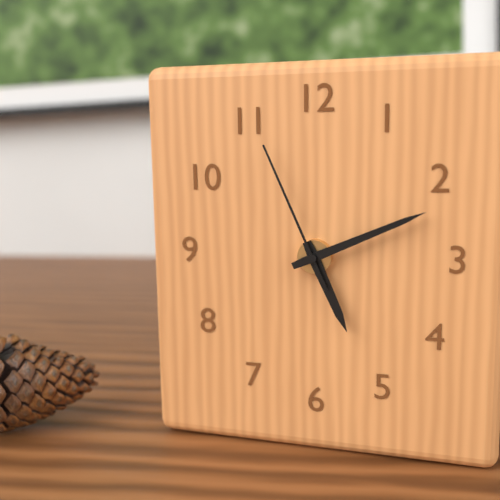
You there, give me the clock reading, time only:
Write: 5:11:56
